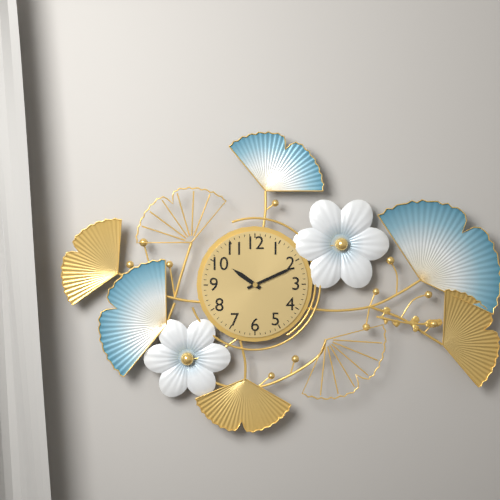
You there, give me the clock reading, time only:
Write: 10:11
